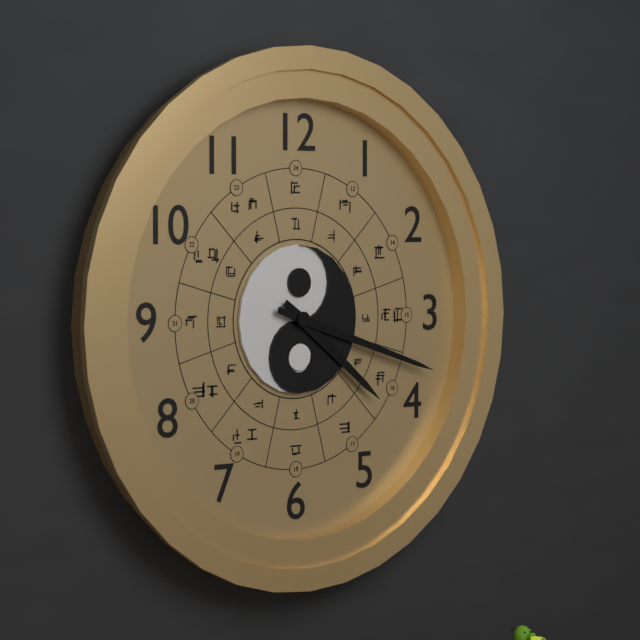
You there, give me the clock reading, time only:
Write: 4:18
